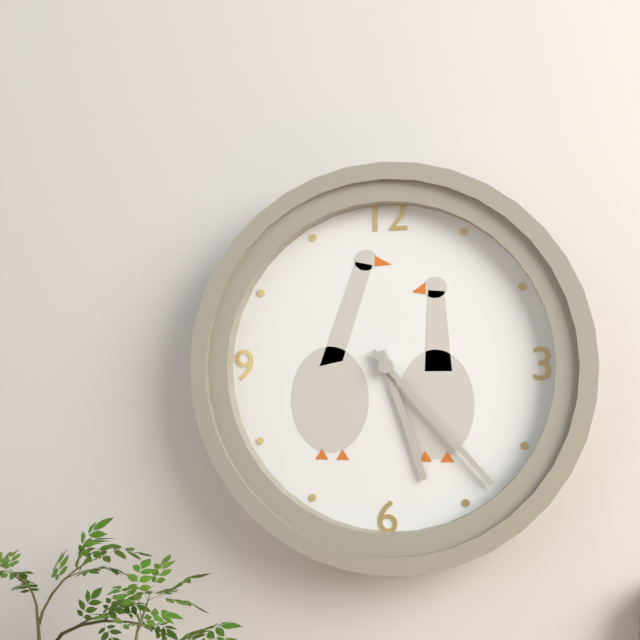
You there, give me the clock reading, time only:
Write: 5:23
